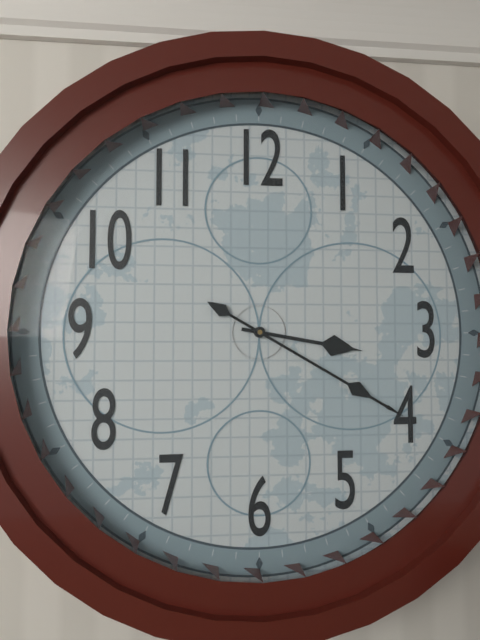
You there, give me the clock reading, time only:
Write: 3:20
